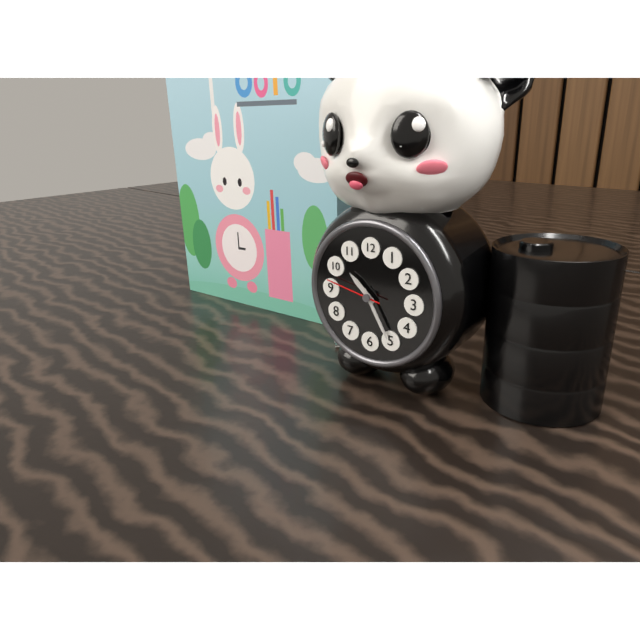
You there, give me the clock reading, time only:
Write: 10:25:47
